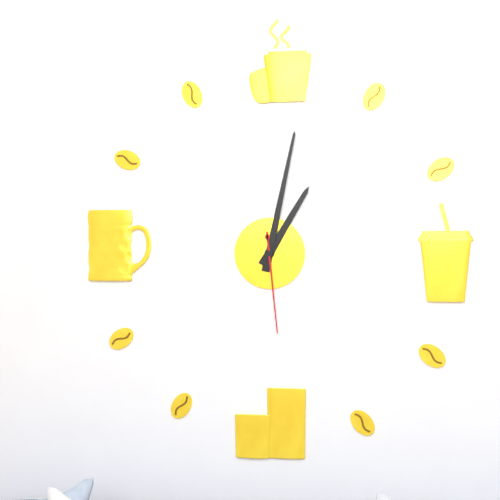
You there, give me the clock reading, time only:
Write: 1:02:29
